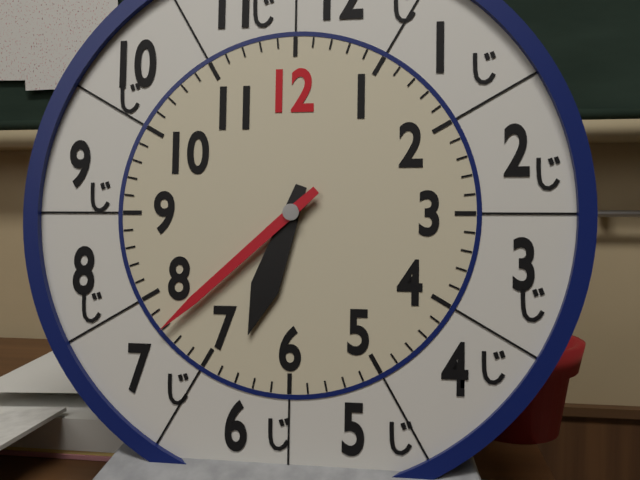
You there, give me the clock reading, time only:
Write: 6:38
